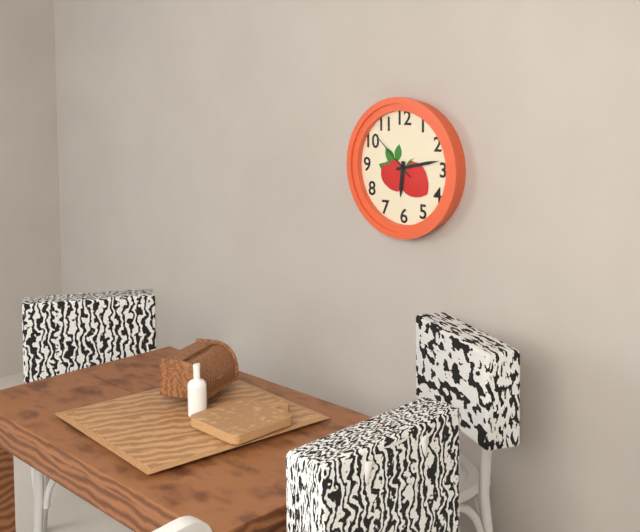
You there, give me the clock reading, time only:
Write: 6:13:52
